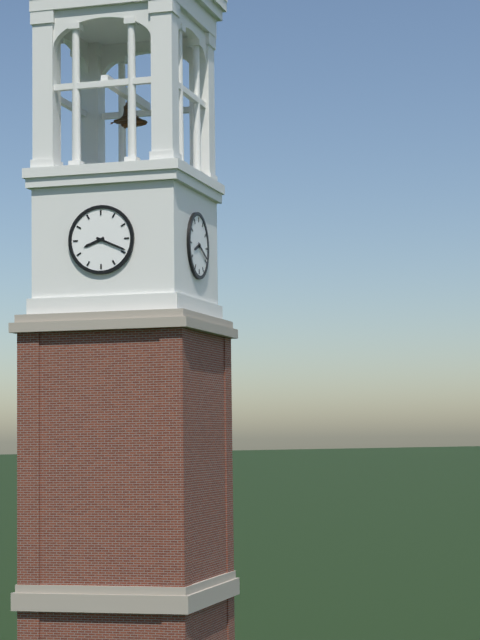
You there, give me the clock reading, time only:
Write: 8:19
